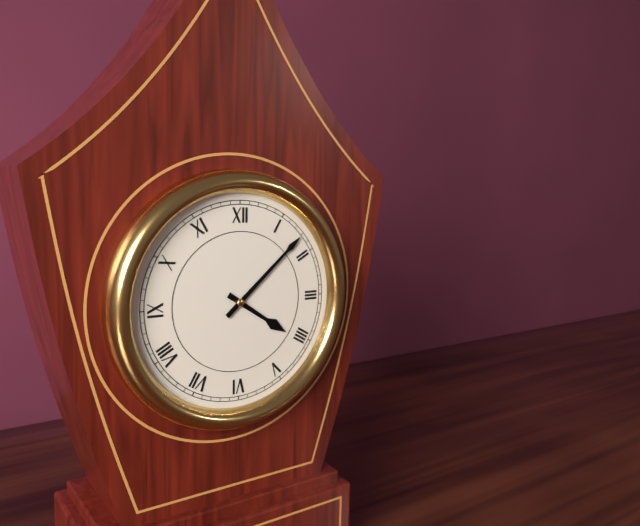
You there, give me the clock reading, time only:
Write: 4:08
